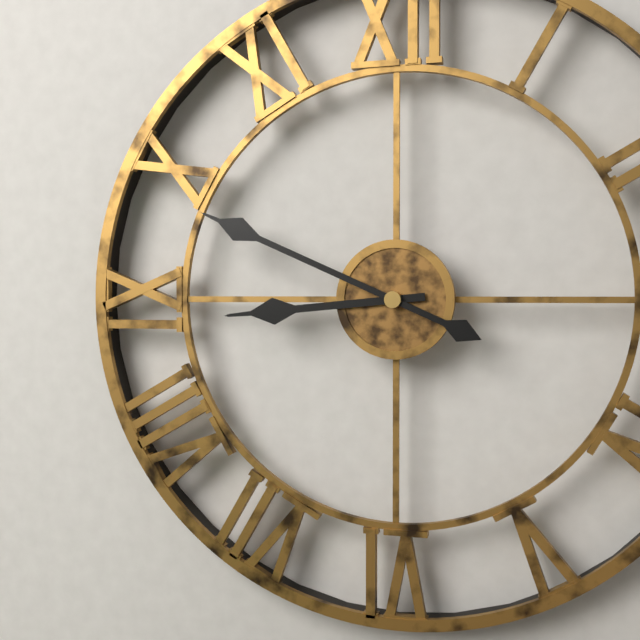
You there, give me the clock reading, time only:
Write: 8:49
